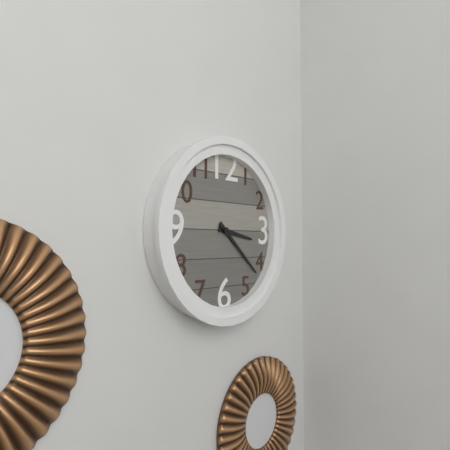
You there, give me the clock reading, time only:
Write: 3:22
